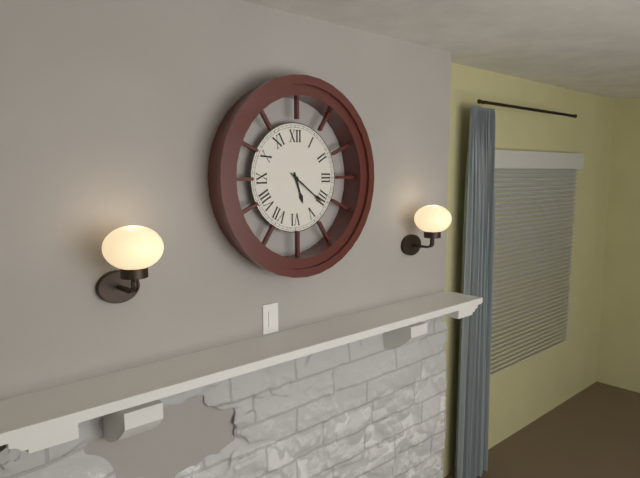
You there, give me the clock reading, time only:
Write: 5:21
